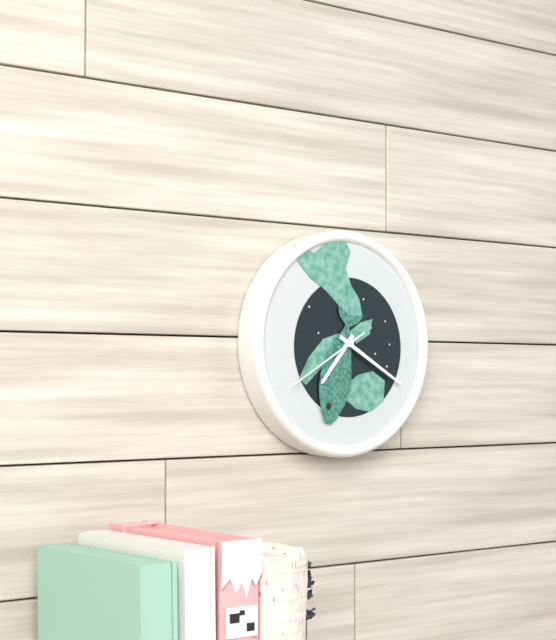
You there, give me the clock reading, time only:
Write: 7:20:40
